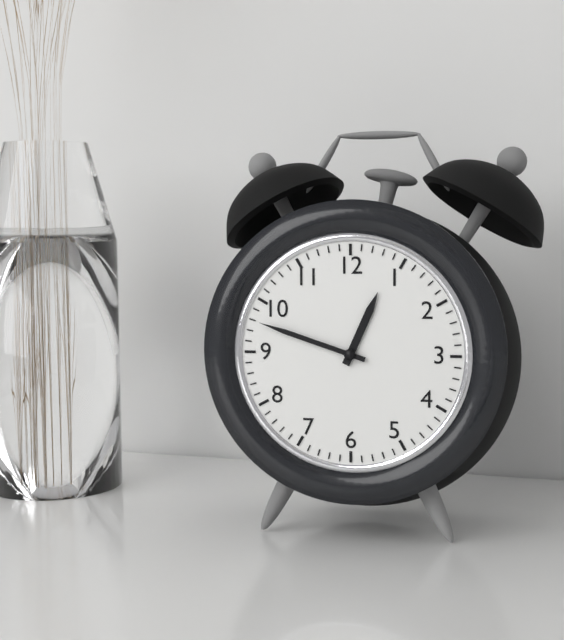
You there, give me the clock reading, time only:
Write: 12:48
